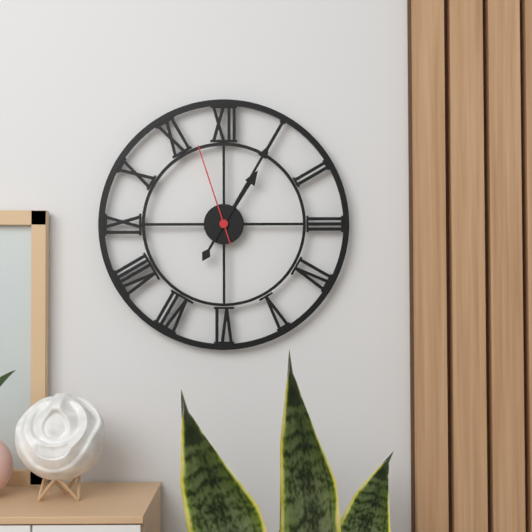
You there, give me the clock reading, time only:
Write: 1:05:57
